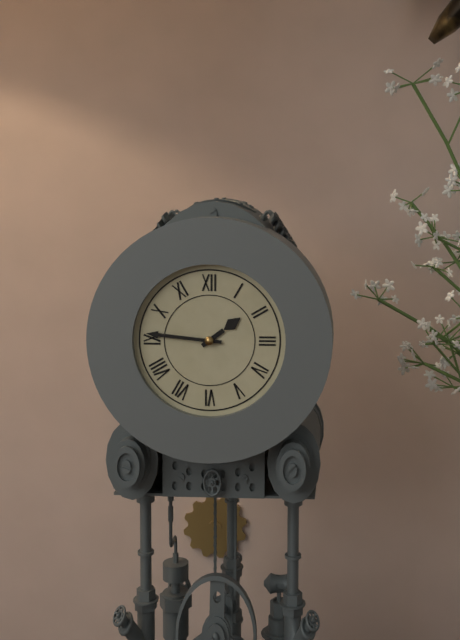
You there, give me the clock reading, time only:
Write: 1:46
